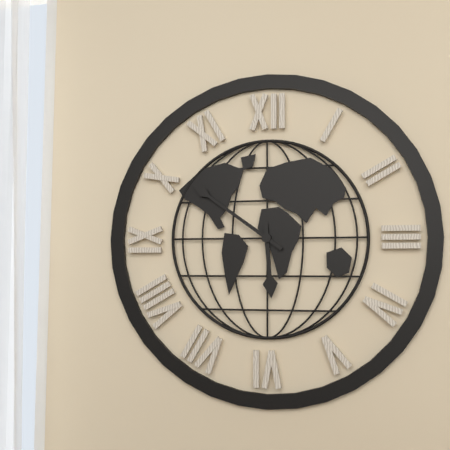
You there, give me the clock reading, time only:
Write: 5:51
